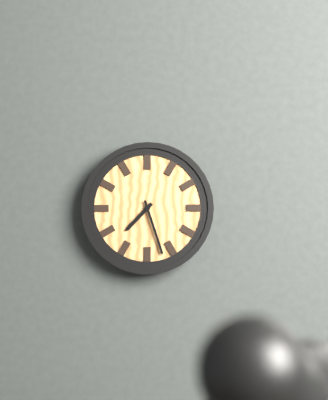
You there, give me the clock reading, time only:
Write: 7:27
